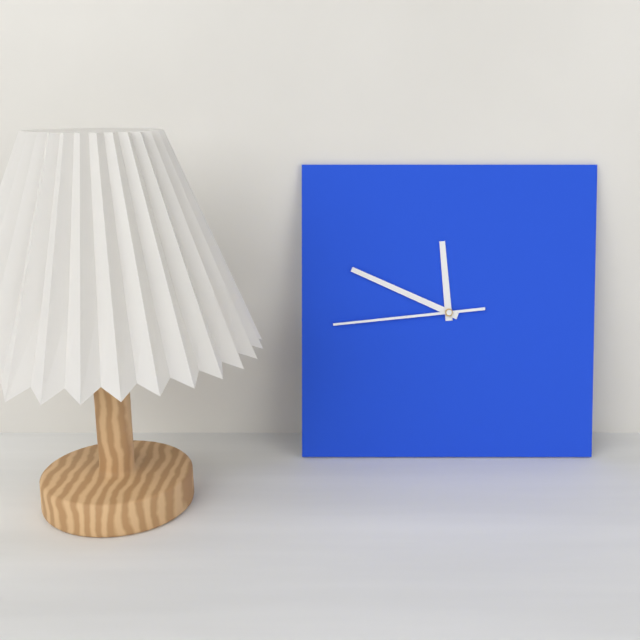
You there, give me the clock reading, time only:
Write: 11:49:44
